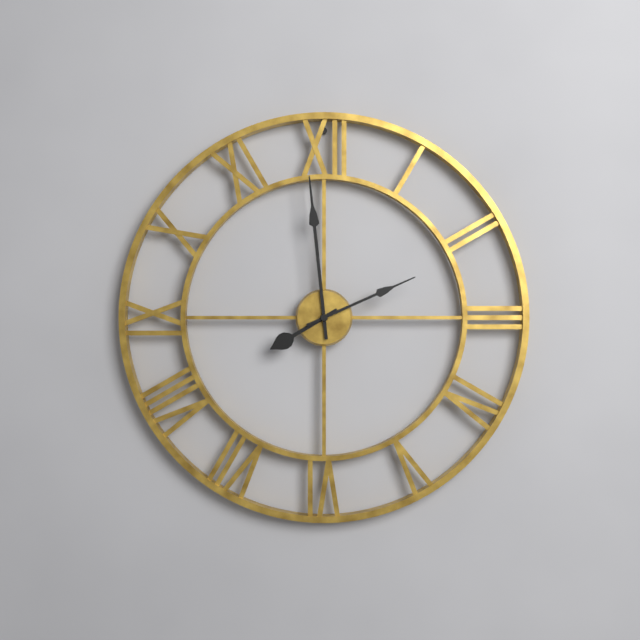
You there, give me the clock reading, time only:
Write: 7:59:11
